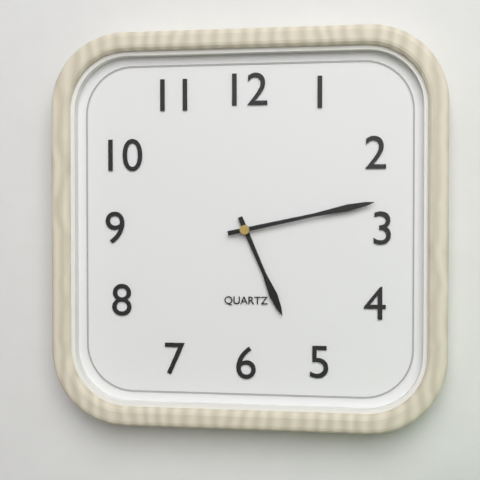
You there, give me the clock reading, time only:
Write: 5:13
